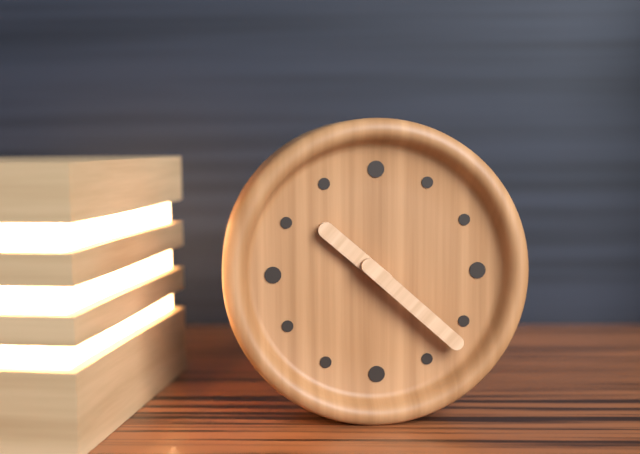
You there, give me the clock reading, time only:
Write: 10:22
